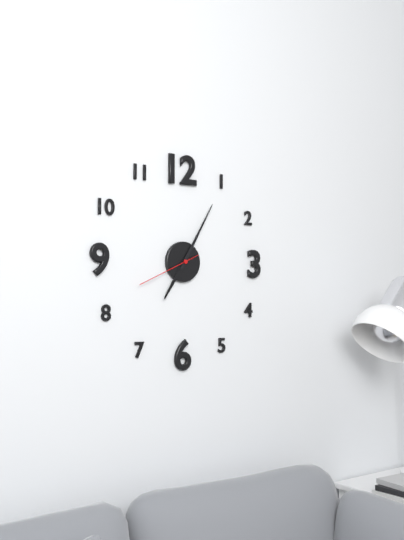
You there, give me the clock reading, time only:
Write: 7:05:41
